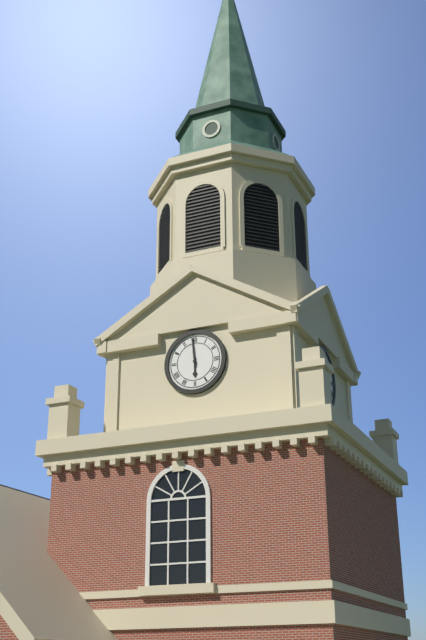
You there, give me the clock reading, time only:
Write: 5:59
